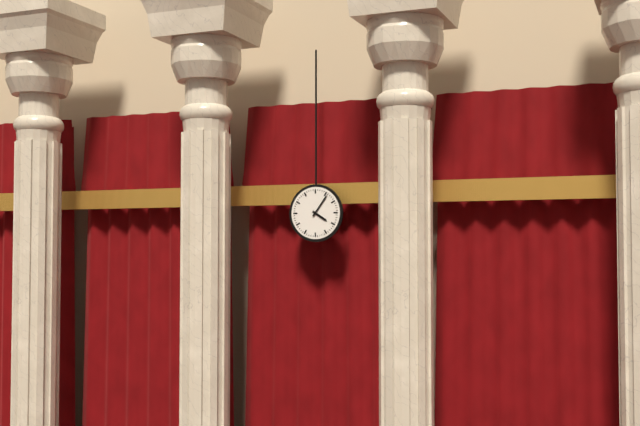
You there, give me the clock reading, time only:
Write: 4:06
